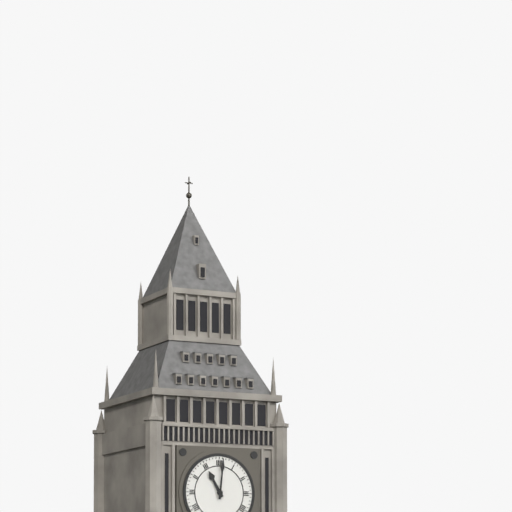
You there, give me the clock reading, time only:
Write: 11:01
